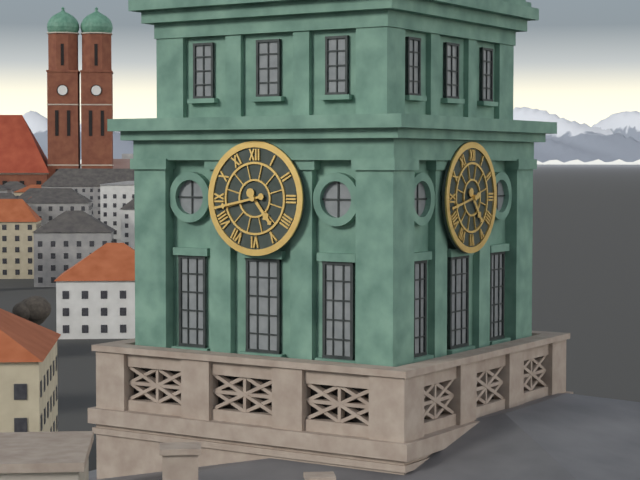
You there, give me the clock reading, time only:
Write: 4:43
